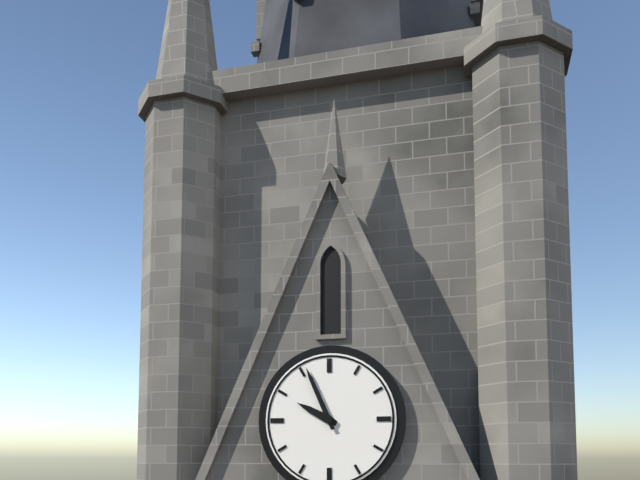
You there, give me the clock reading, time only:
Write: 9:56
